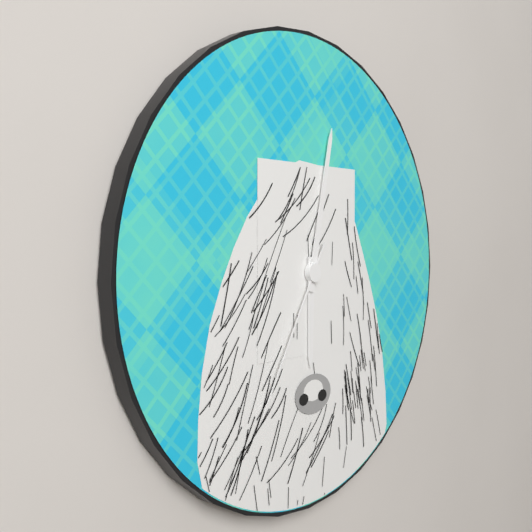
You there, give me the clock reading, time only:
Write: 6:02:35
